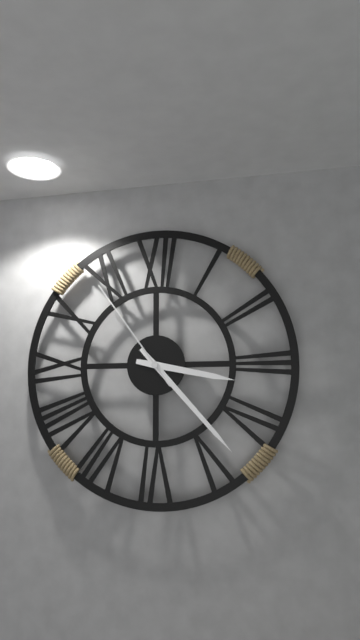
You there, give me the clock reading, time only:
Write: 3:23:54
